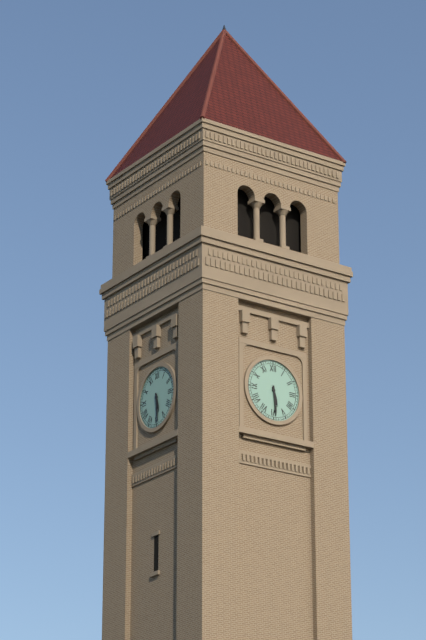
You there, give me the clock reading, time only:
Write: 5:29
